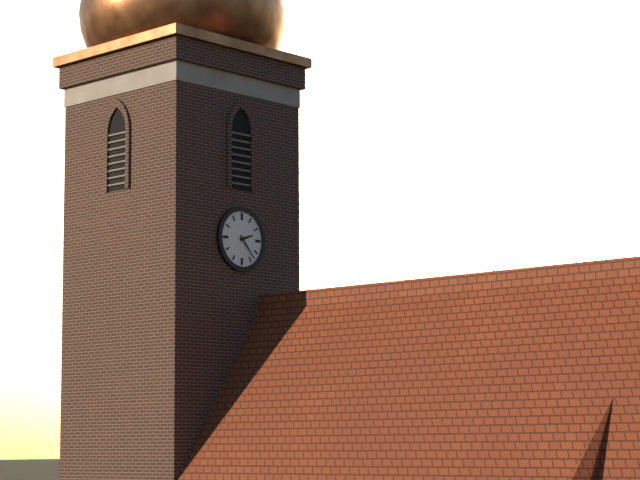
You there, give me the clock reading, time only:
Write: 2:23
